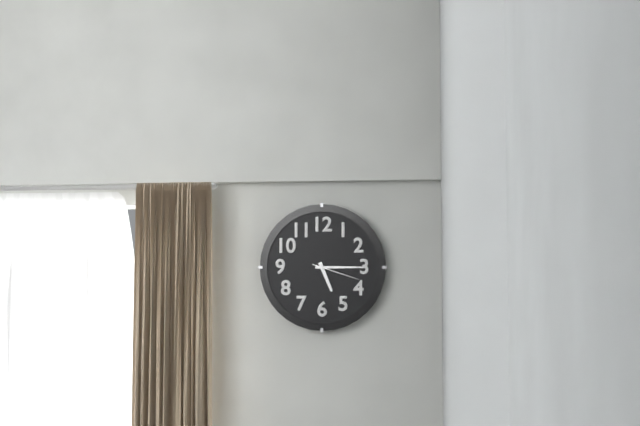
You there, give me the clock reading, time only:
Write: 5:15
